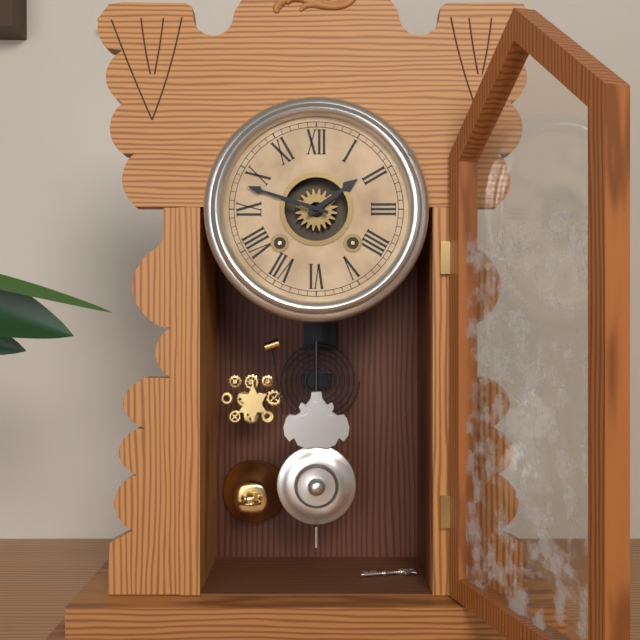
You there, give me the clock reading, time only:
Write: 1:48
